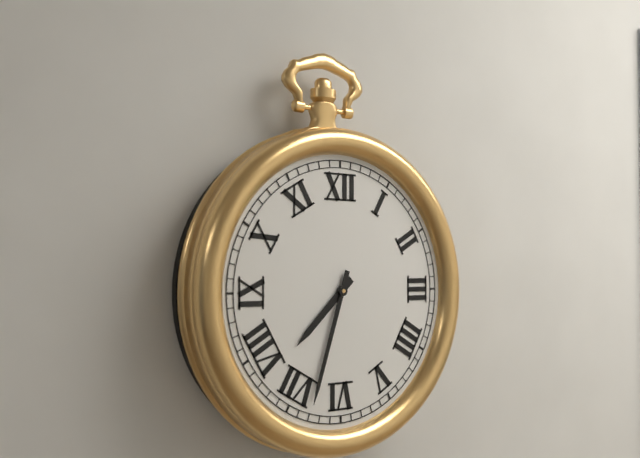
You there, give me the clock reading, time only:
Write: 7:33
